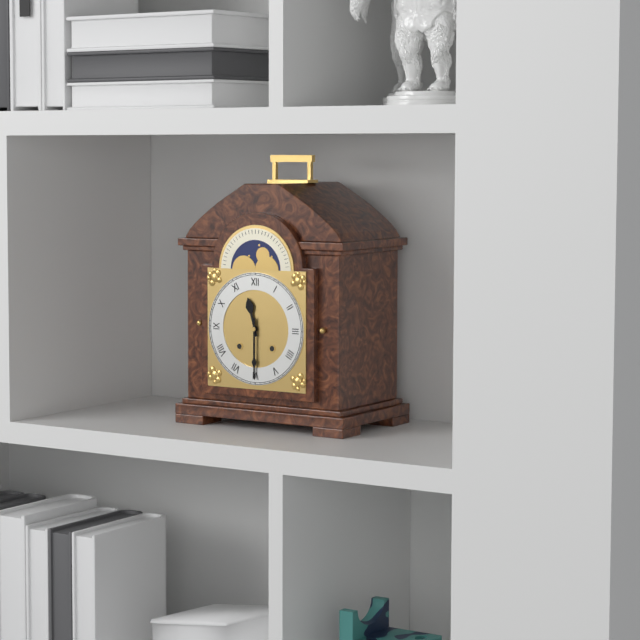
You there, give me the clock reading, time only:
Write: 11:30
